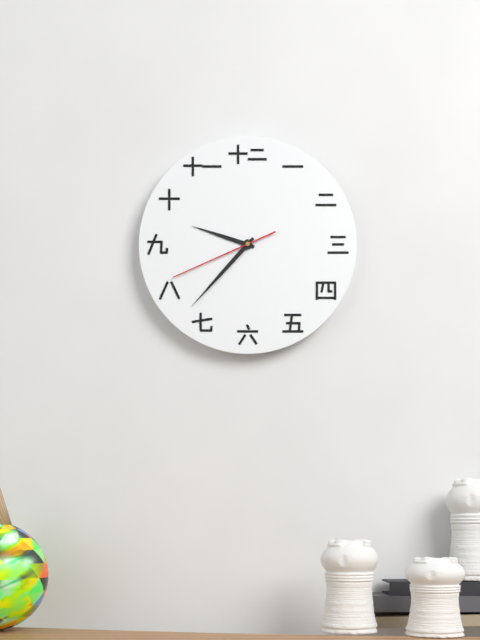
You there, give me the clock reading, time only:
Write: 9:37:41
